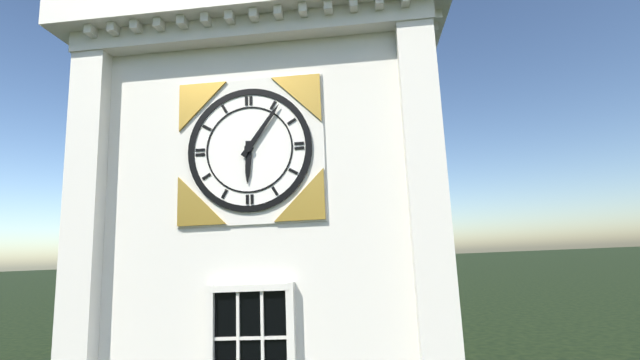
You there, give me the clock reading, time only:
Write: 6:06
